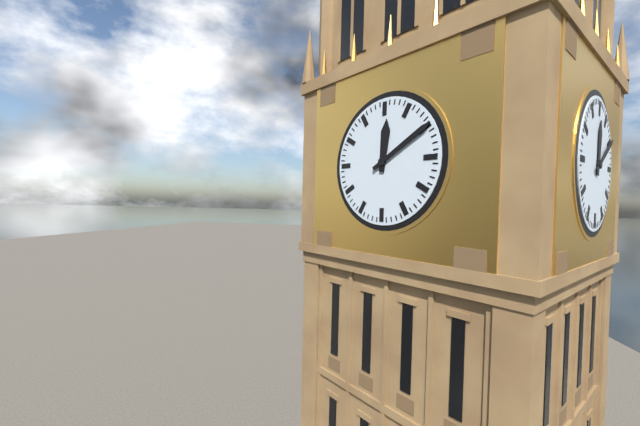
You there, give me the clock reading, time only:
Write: 12:10
